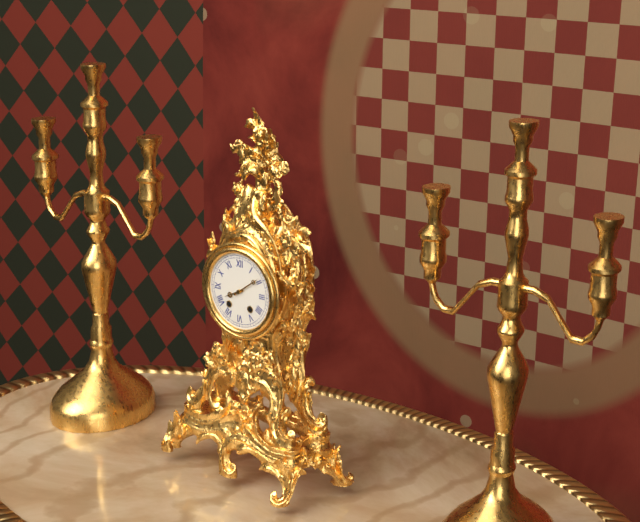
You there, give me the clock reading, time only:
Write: 8:09
